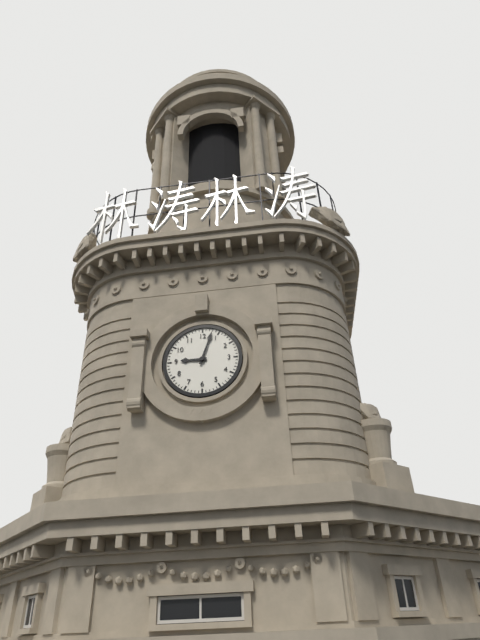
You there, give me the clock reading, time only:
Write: 9:03
